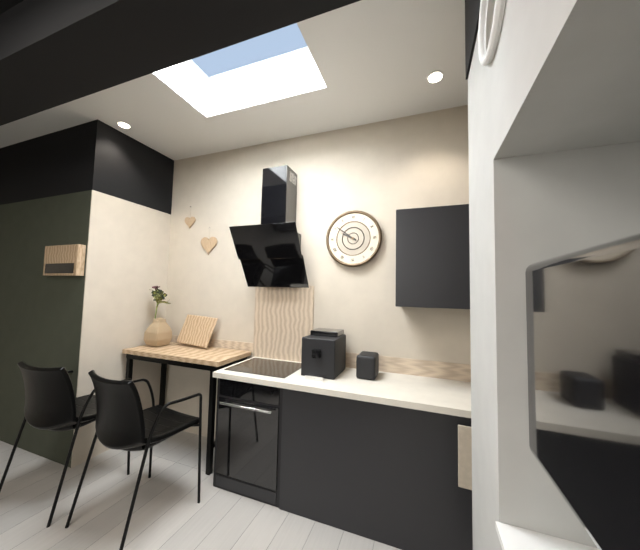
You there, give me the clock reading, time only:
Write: 9:51
